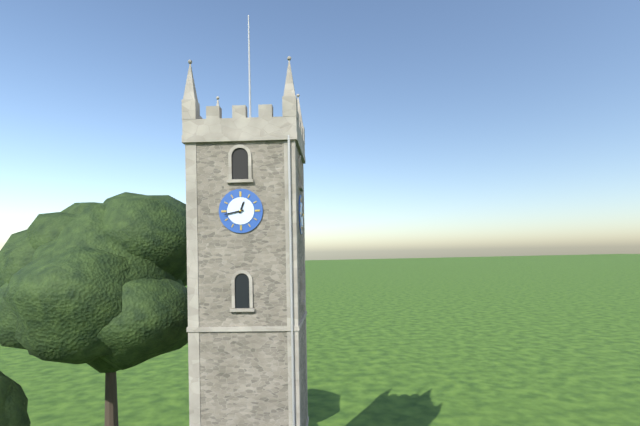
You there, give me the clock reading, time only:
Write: 12:43
